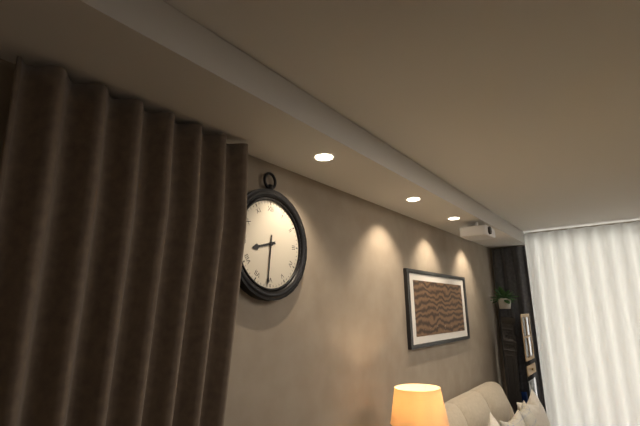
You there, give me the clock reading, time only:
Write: 8:31
